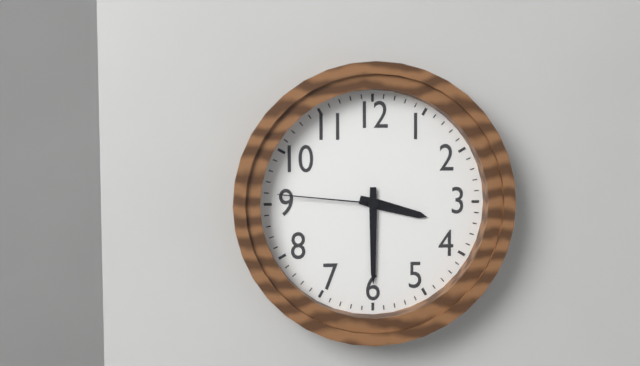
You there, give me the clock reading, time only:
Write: 3:30:46
